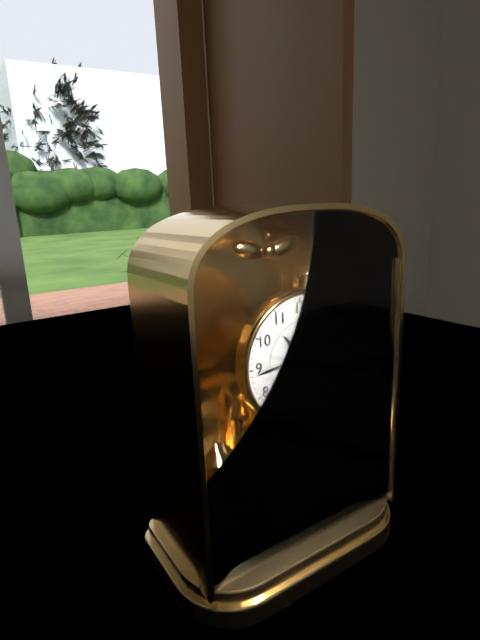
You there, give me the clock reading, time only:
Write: 10:44:34
